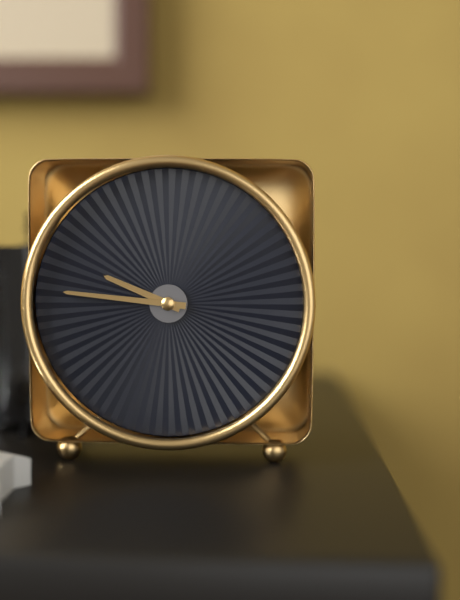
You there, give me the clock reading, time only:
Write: 9:46
